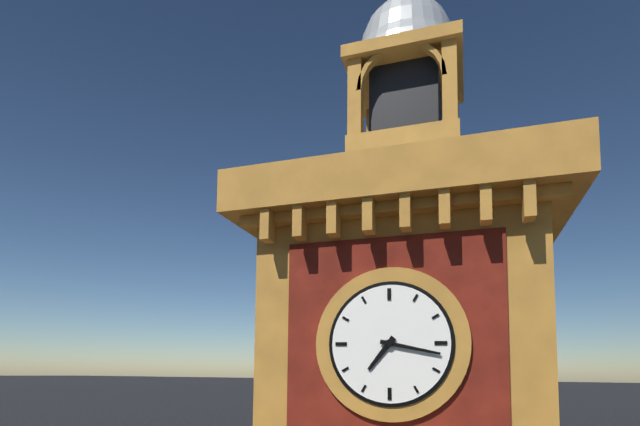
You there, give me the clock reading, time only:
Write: 7:17
